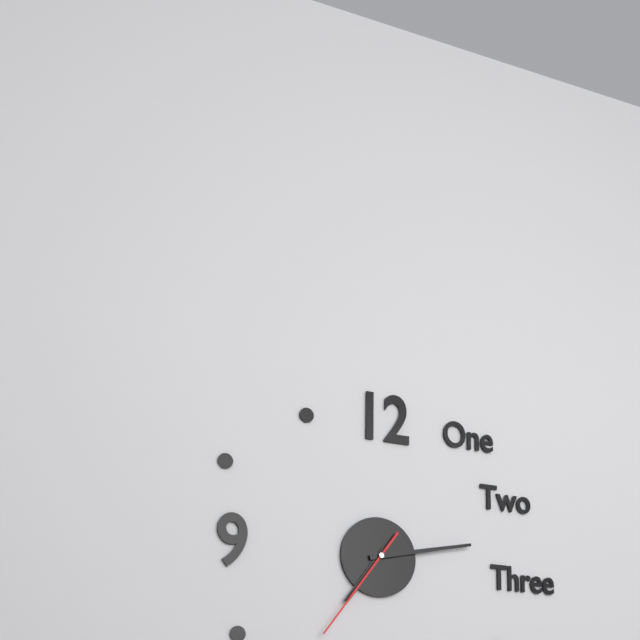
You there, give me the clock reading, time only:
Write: 7:13:36
